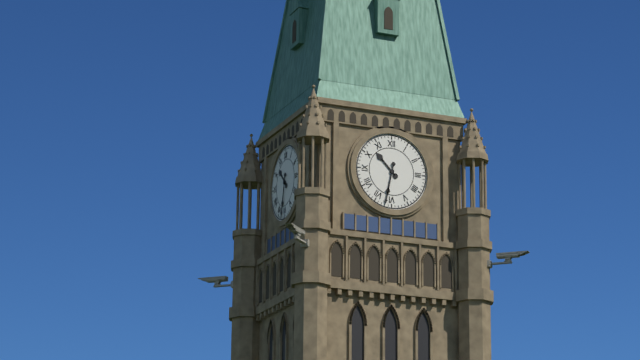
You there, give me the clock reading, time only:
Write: 10:32
